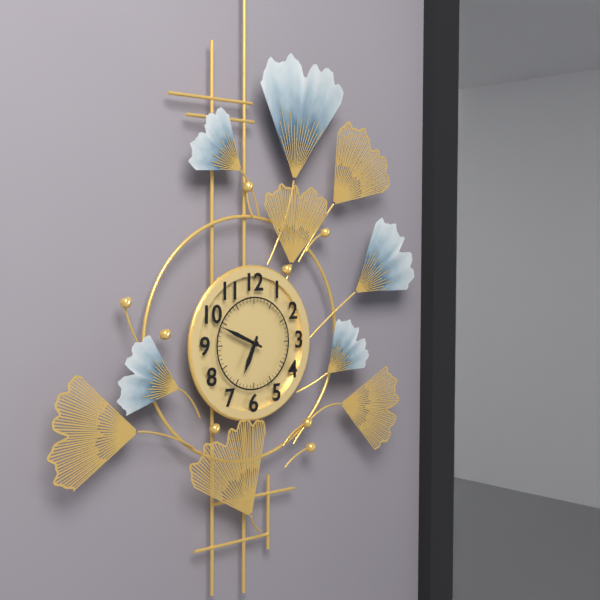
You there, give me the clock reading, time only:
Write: 6:49
